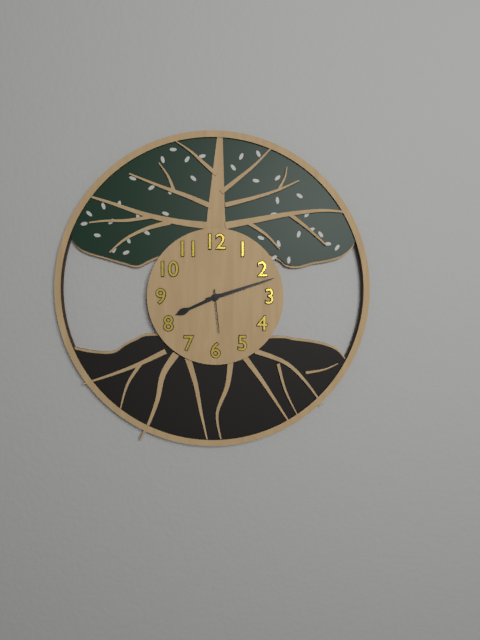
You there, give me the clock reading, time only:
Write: 8:12
